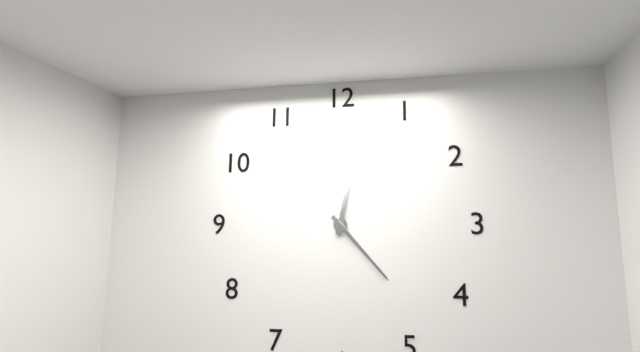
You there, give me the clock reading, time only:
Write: 12:23
